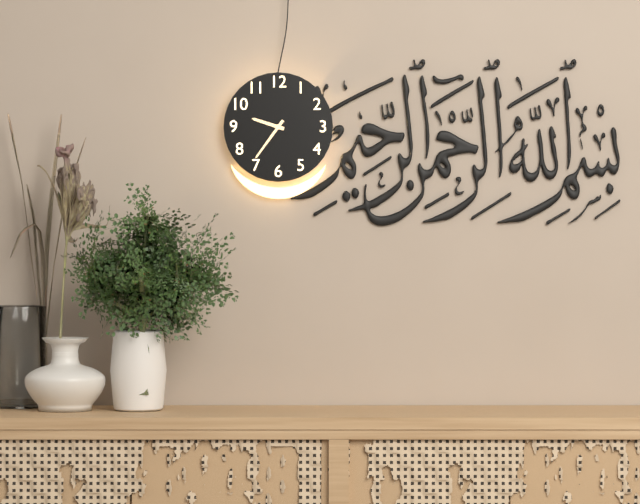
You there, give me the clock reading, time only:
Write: 9:36
